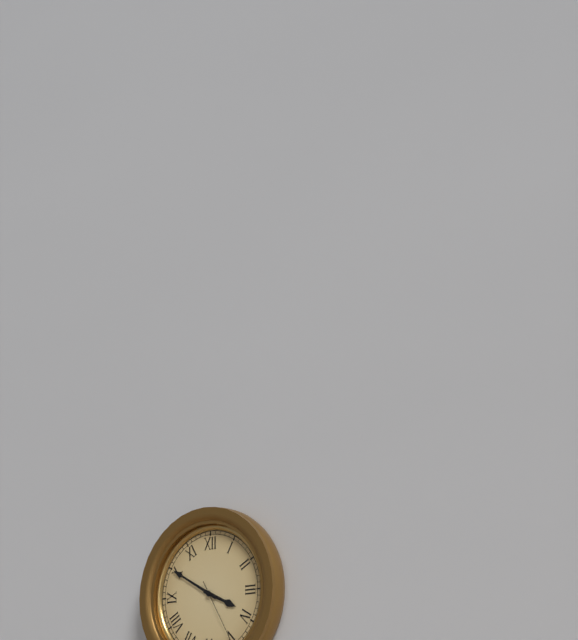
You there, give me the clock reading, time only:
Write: 3:50
